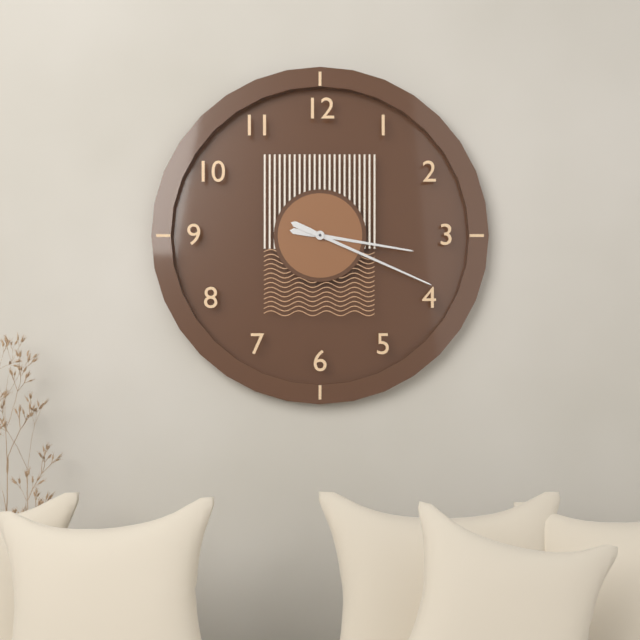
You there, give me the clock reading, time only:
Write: 3:19
